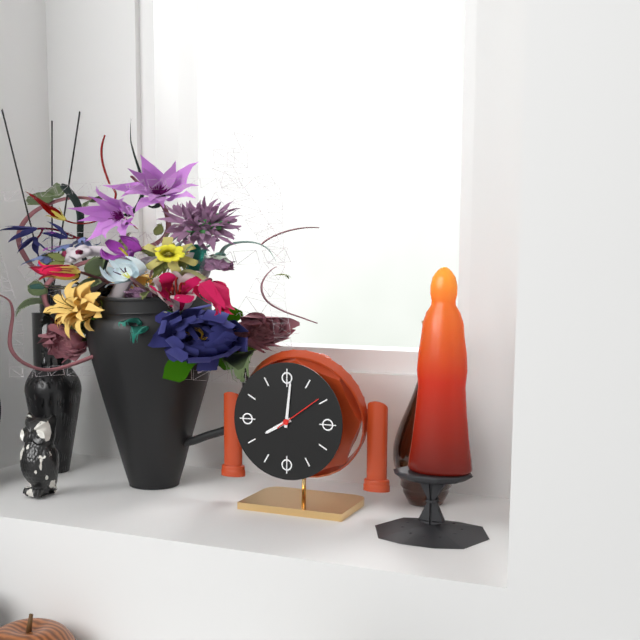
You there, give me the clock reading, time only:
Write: 8:01:09
